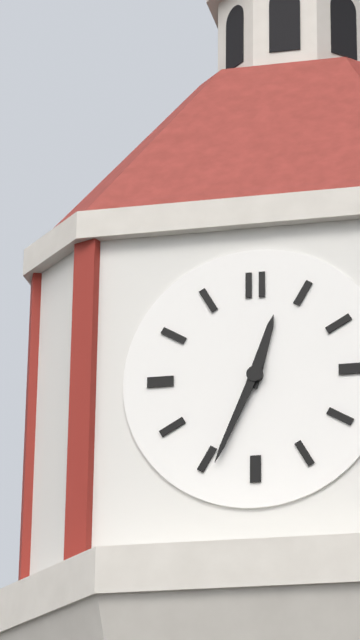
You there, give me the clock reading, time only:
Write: 12:34
